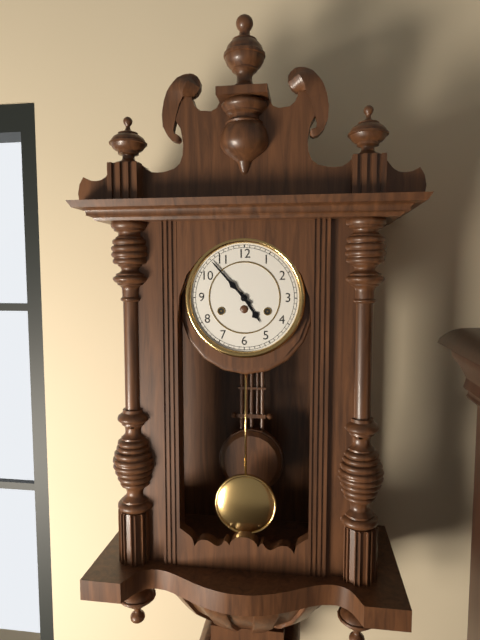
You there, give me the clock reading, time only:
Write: 4:53
